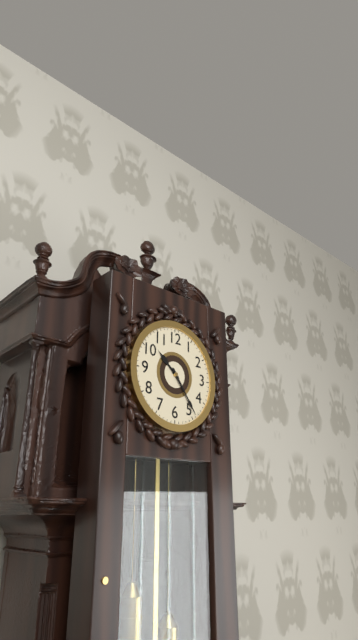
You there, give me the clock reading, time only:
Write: 10:24
